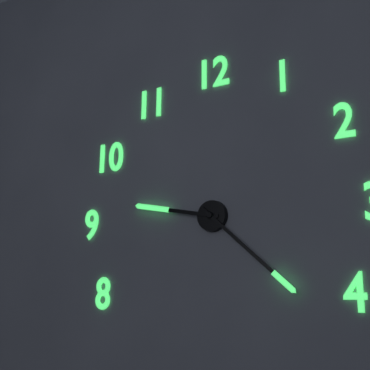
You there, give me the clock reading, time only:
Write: 9:22
